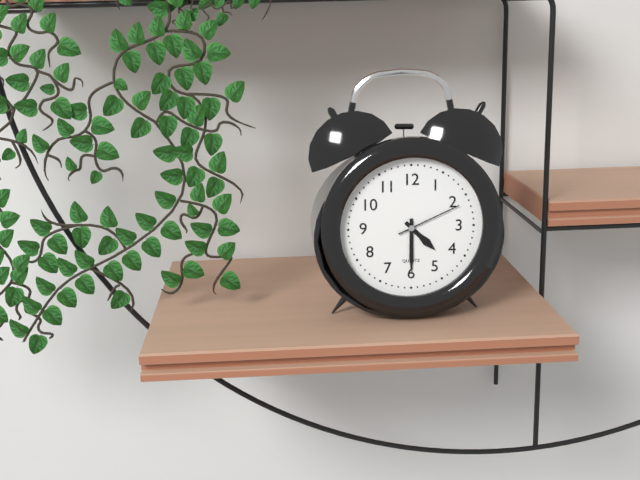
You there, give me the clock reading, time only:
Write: 4:30:11
